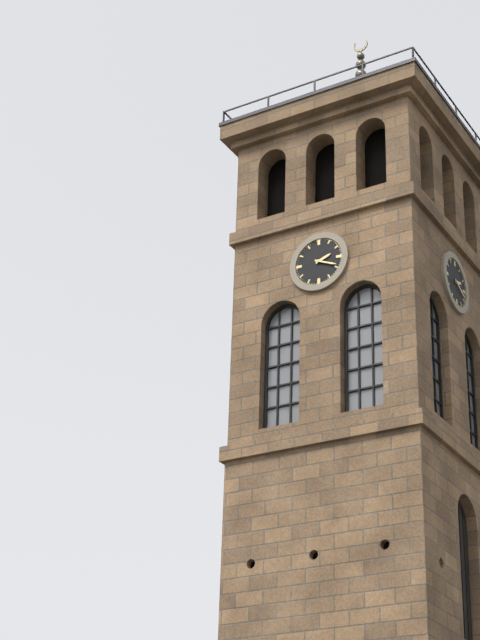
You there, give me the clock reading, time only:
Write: 2:19
